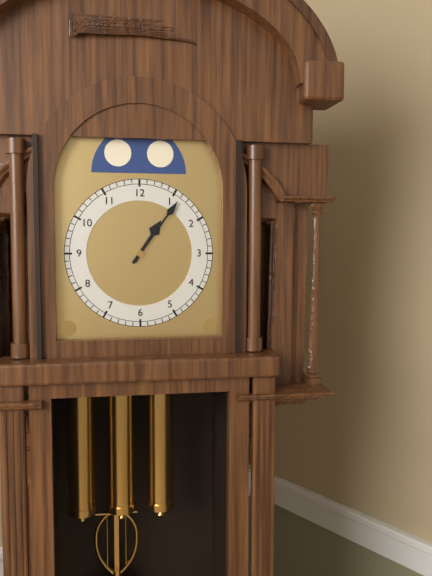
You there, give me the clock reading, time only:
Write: 1:06
